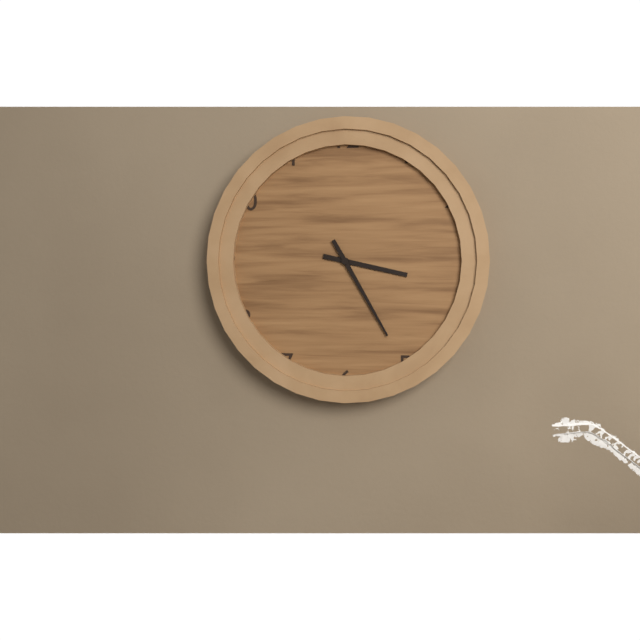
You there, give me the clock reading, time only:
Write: 3:25
